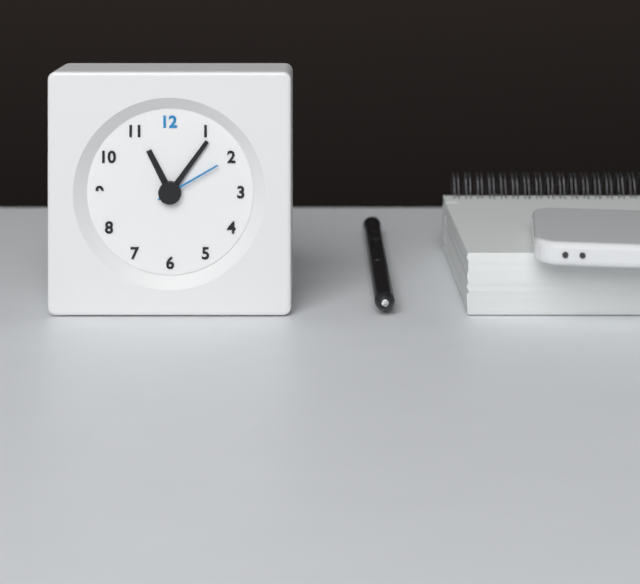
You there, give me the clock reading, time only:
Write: 11:06:10
